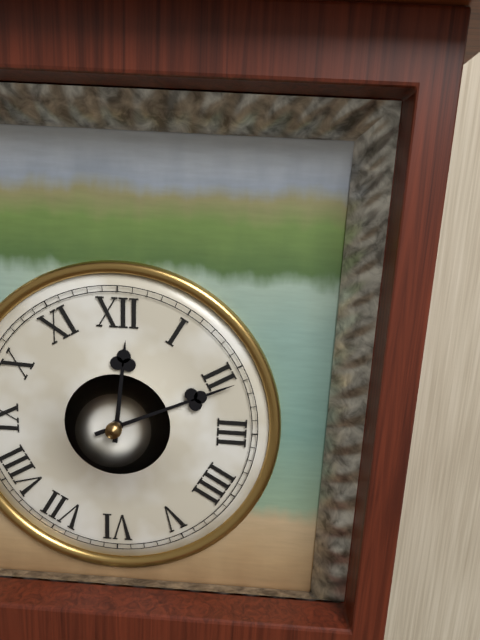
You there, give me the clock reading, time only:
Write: 12:11
